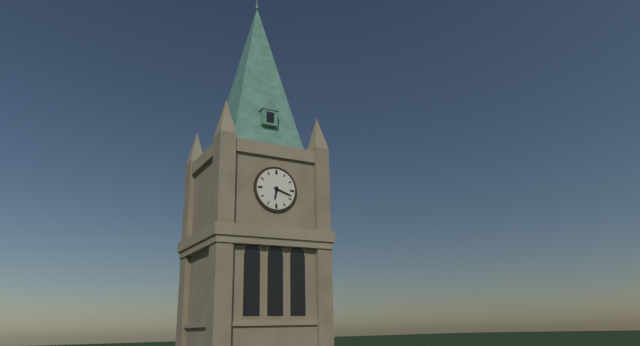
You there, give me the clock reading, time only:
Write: 6:18
